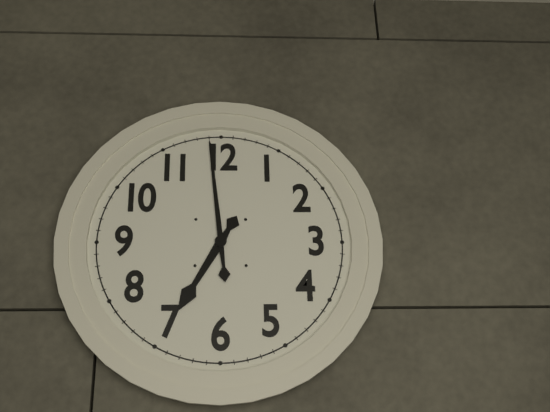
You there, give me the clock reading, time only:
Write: 6:59
